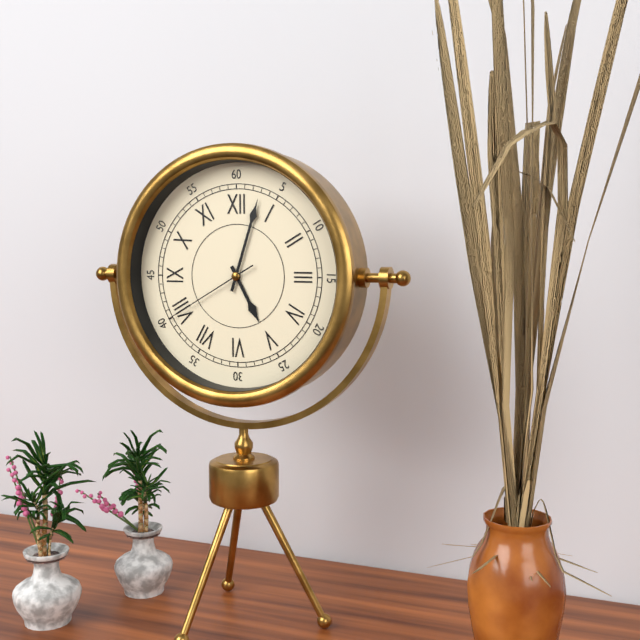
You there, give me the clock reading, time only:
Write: 5:03:40
